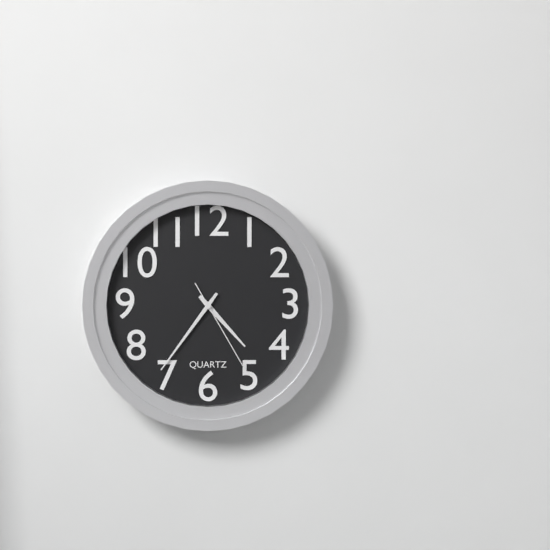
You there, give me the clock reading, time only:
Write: 4:36:25
